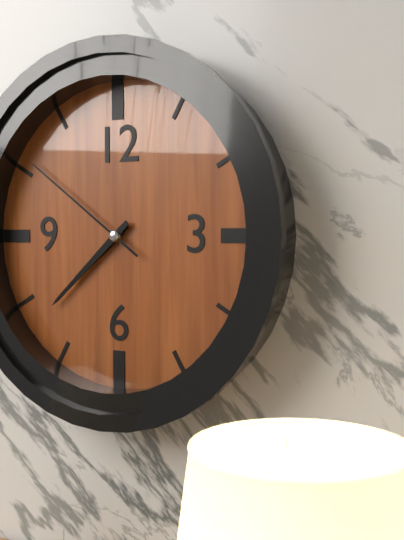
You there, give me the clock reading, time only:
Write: 7:38:51
